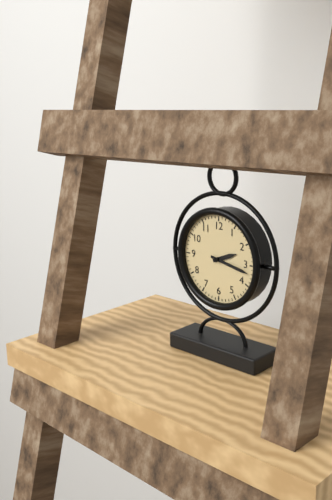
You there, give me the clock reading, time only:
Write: 2:17
